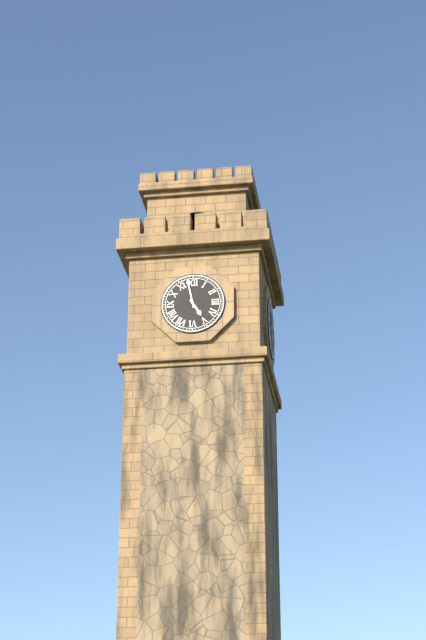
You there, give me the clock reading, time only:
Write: 4:58
